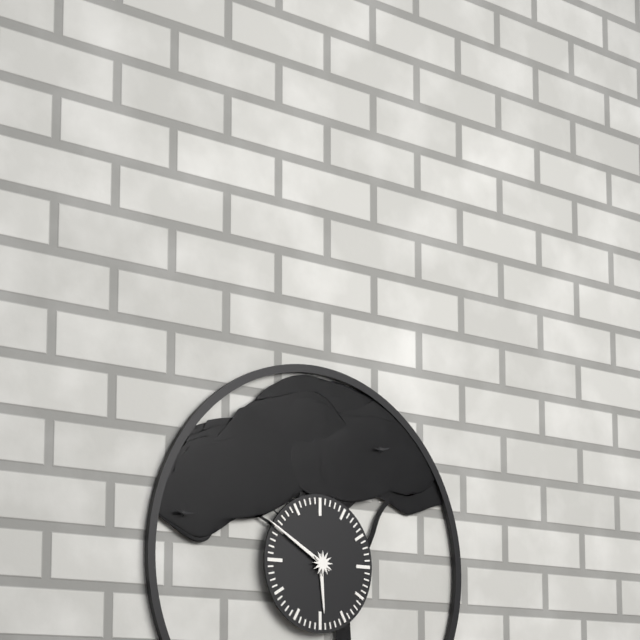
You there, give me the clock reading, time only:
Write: 5:50
